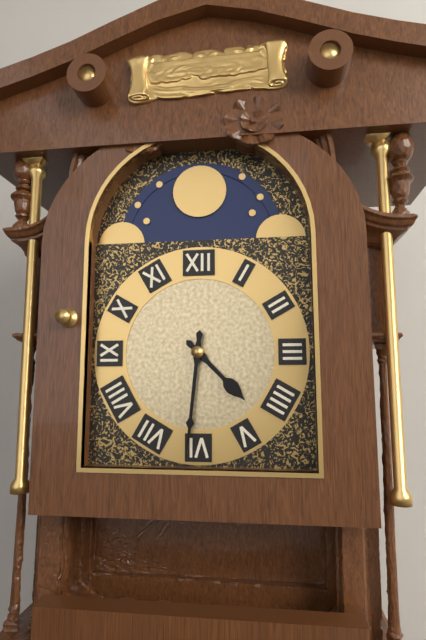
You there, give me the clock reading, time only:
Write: 4:31
